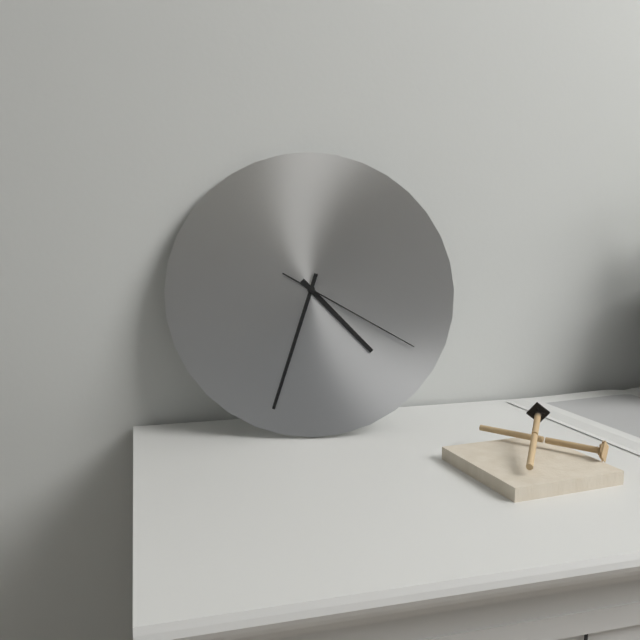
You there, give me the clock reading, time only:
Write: 4:33:20
